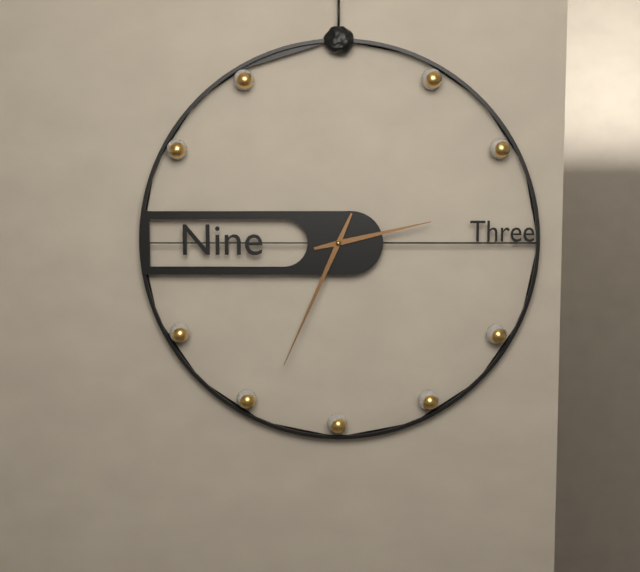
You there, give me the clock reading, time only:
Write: 2:34
